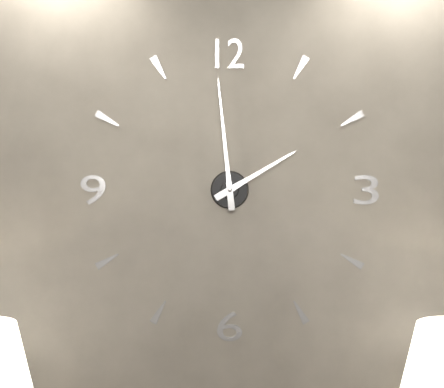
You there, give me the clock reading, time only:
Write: 1:59
